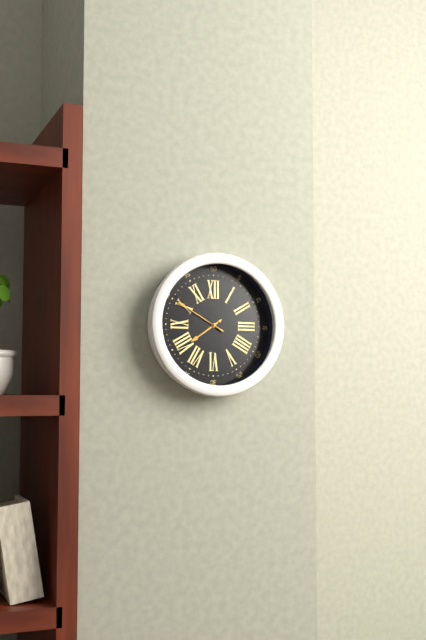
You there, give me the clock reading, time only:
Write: 7:50:51
